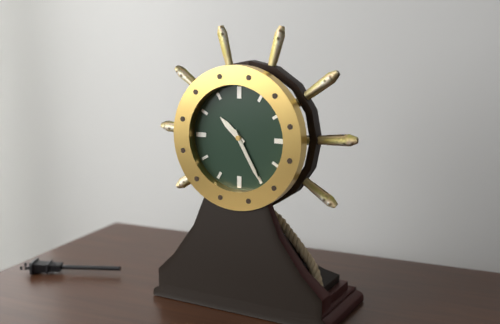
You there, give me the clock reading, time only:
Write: 10:25
